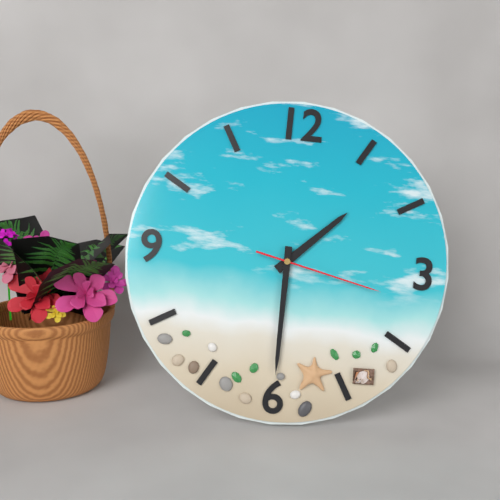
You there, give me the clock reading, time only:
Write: 1:30:17
